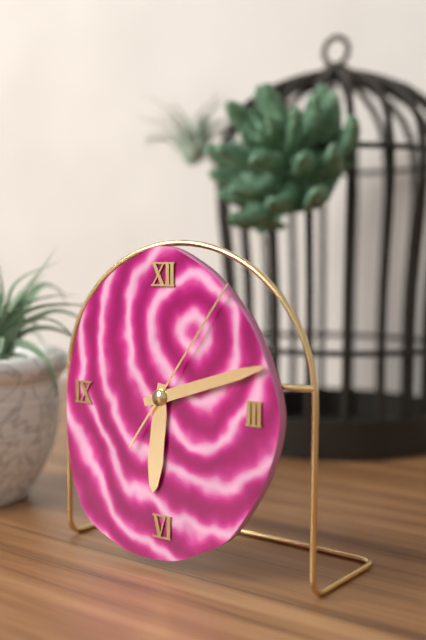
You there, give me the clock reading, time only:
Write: 6:12:06
